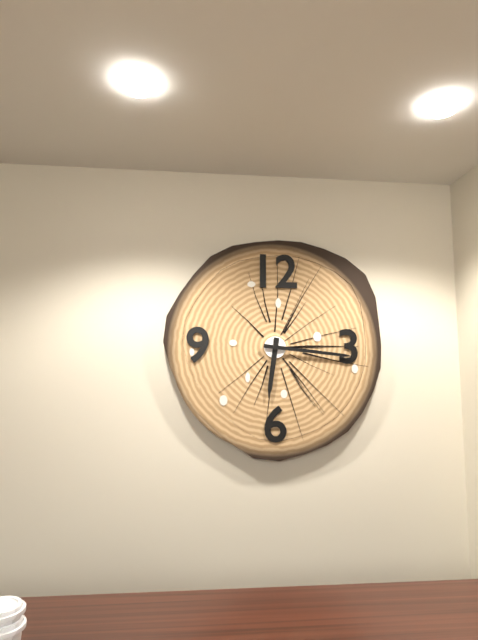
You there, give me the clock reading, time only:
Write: 6:16
